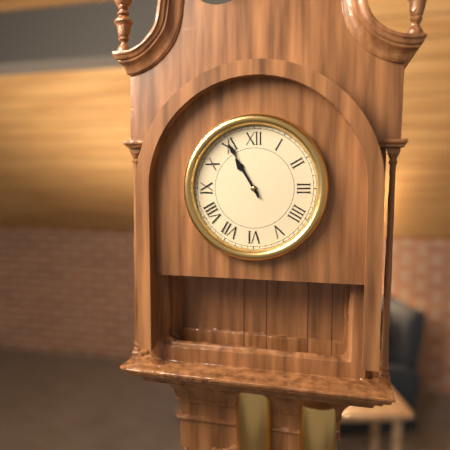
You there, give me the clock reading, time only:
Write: 10:55
